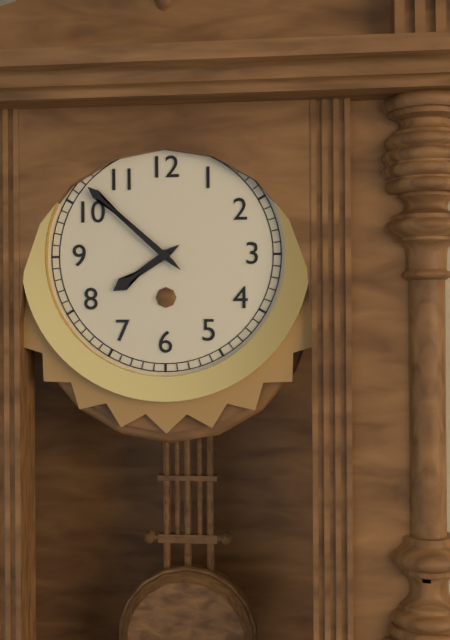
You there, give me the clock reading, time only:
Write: 7:52
